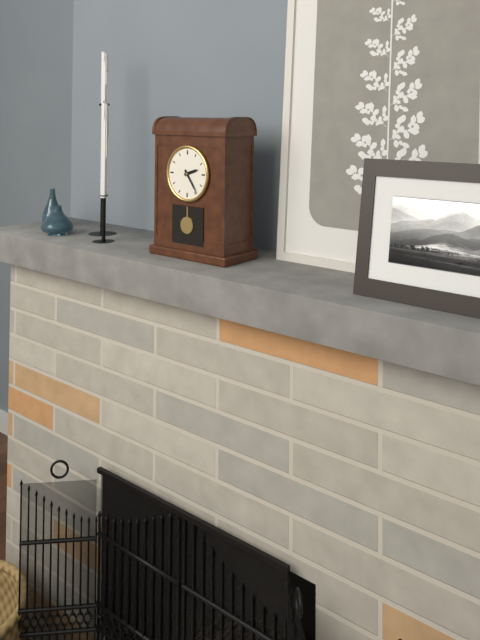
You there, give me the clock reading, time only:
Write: 2:24
